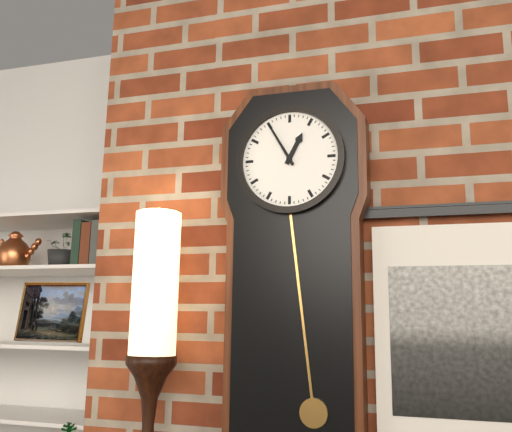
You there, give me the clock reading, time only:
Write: 12:55
